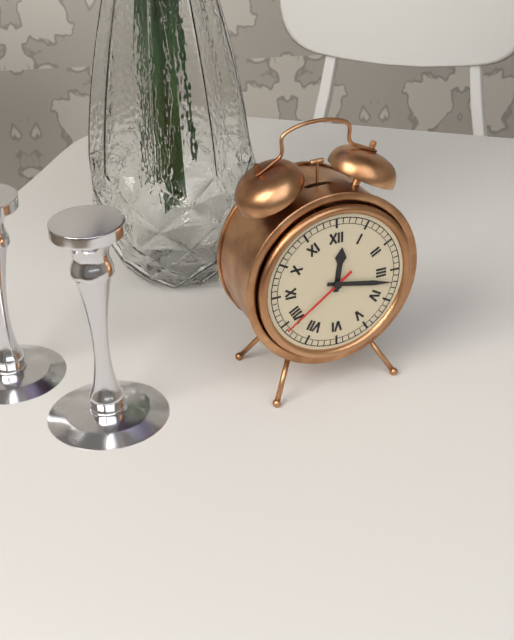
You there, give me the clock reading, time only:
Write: 12:17:39
